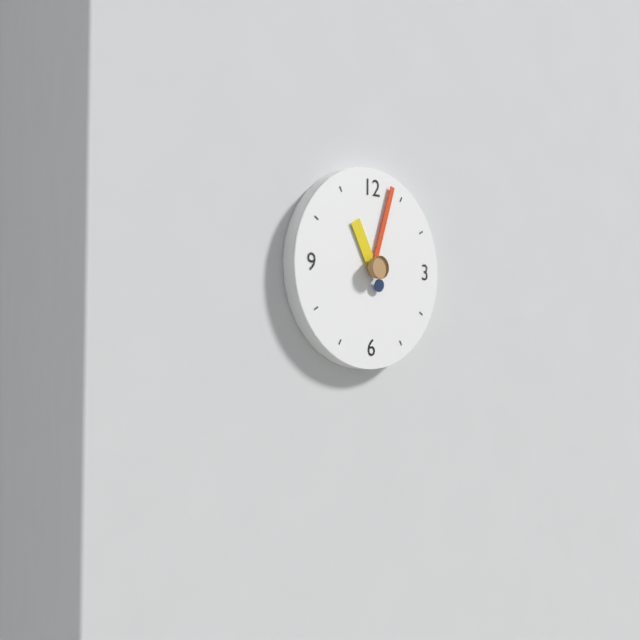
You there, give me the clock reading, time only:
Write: 11:03
